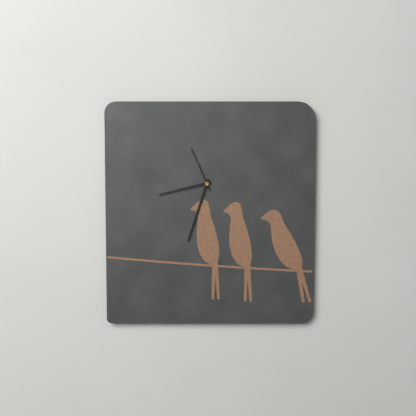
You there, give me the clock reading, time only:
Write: 8:33
